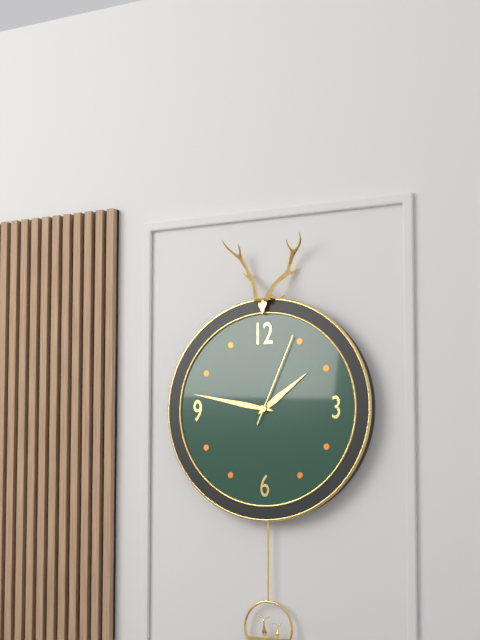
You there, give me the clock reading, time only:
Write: 1:47:04
